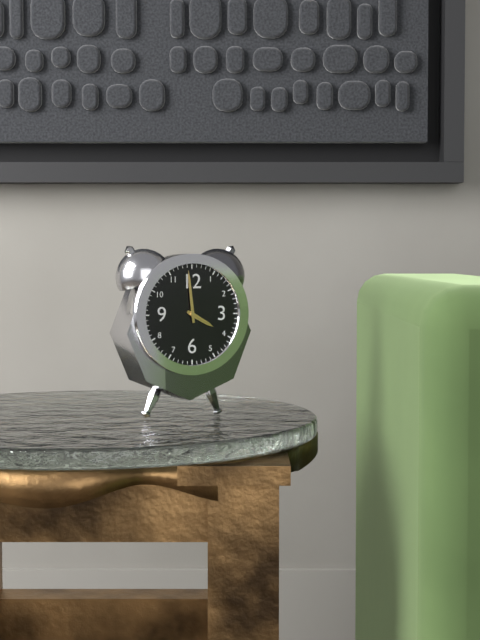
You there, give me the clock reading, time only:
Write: 3:59
